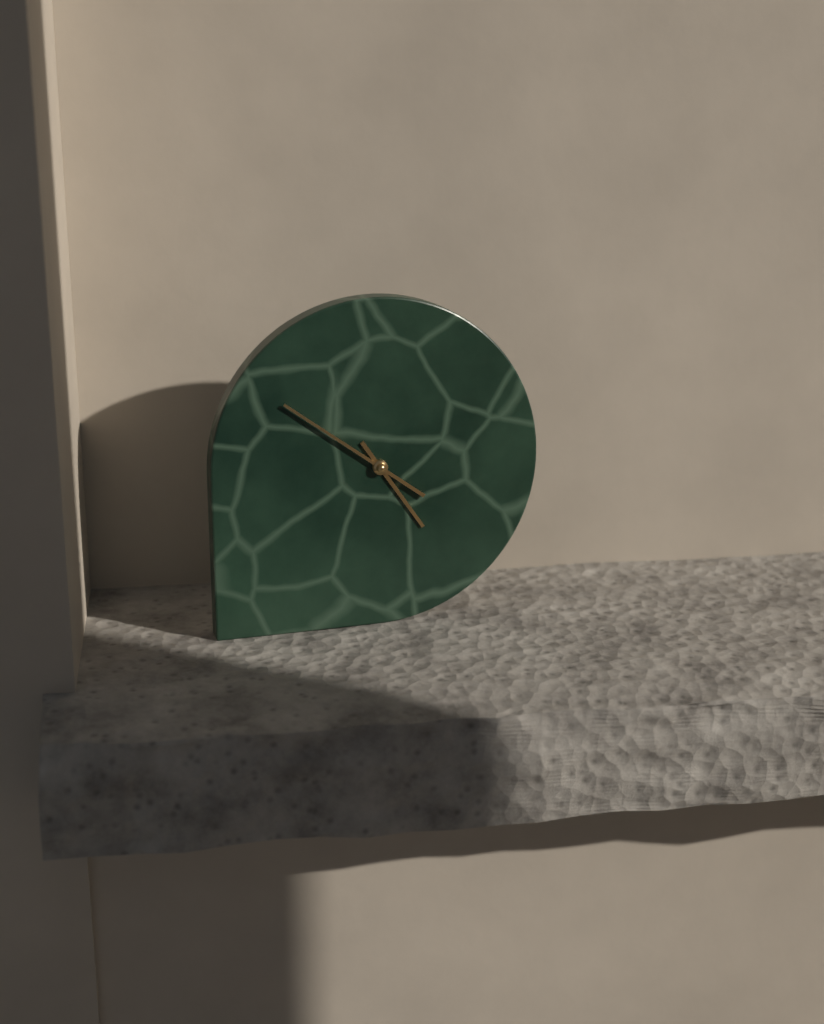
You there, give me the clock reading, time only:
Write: 4:51
